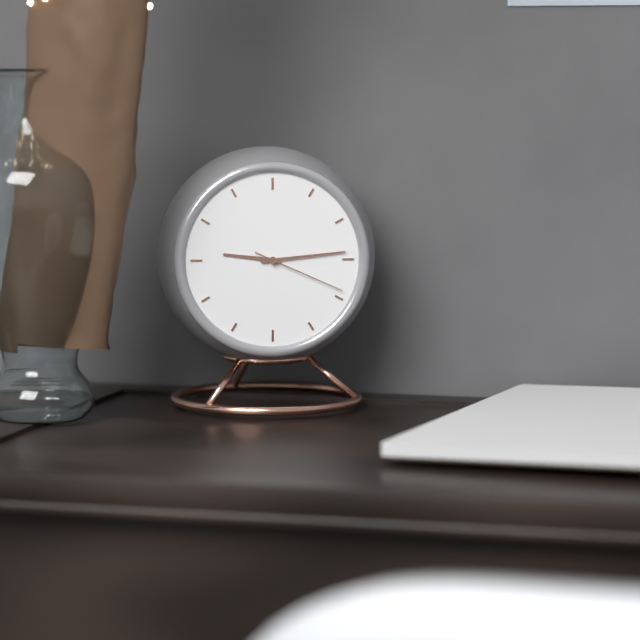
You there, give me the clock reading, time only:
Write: 9:14:19
